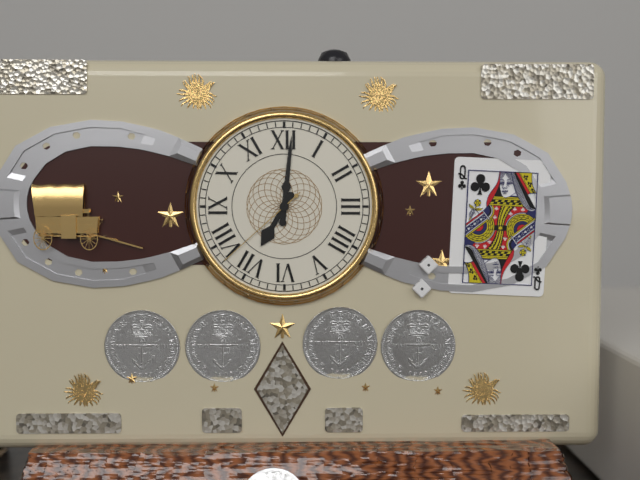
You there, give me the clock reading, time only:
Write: 7:01:38
